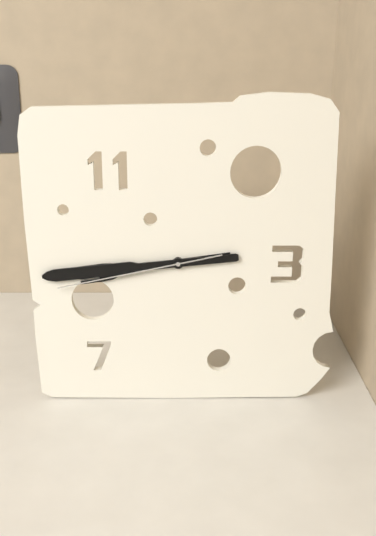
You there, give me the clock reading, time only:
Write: 8:44:43
